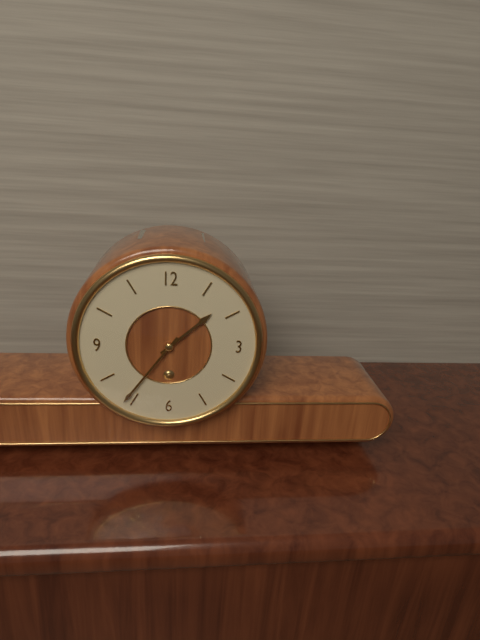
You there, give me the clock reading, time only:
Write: 1:36
